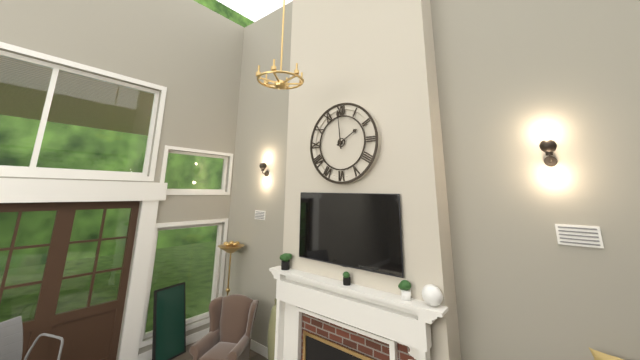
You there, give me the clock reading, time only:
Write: 1:59
